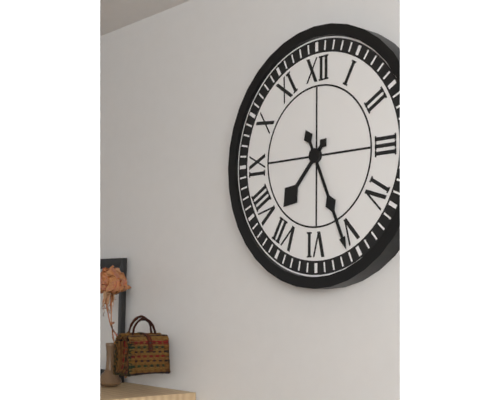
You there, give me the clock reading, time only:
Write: 7:26
